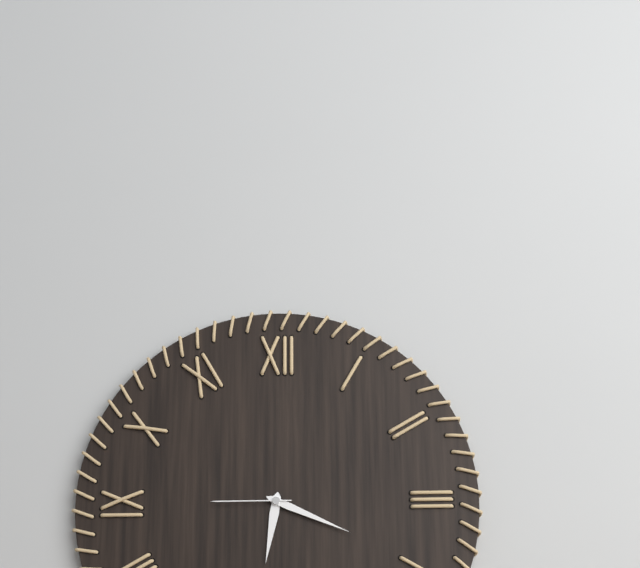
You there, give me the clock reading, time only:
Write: 6:19:45
